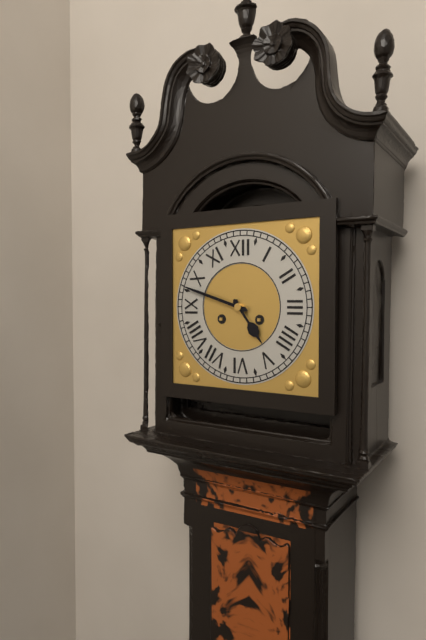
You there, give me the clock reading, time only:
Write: 4:48
